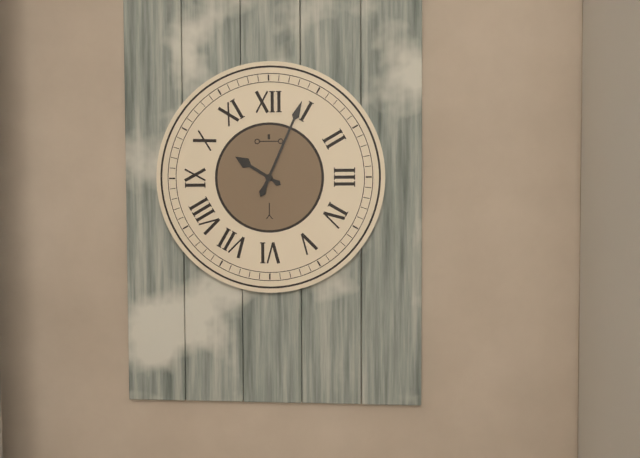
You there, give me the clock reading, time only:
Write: 10:04
